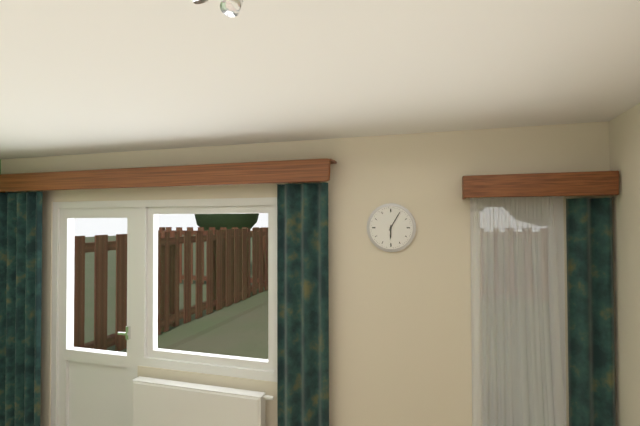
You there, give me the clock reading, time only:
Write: 6:05
